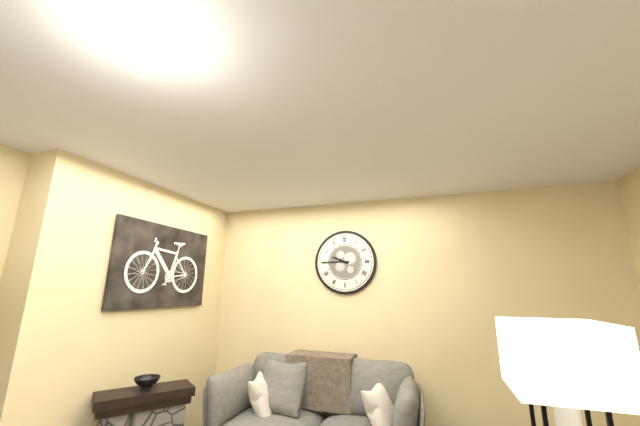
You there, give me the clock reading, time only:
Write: 9:45
